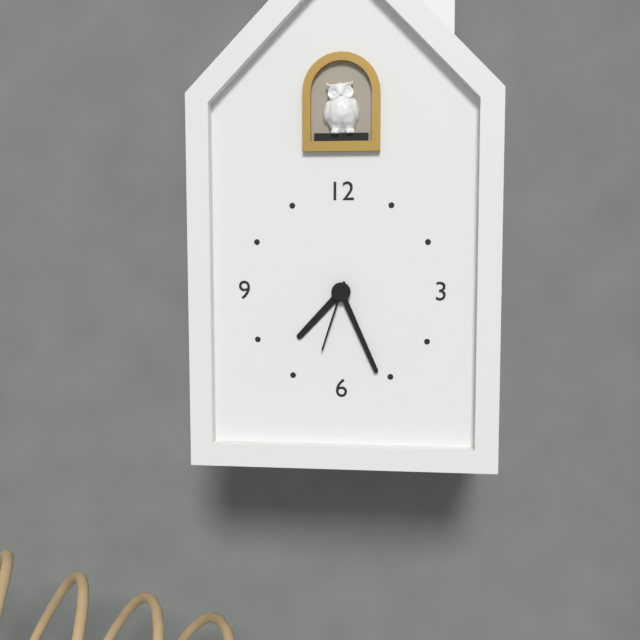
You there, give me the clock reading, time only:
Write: 7:26:33
